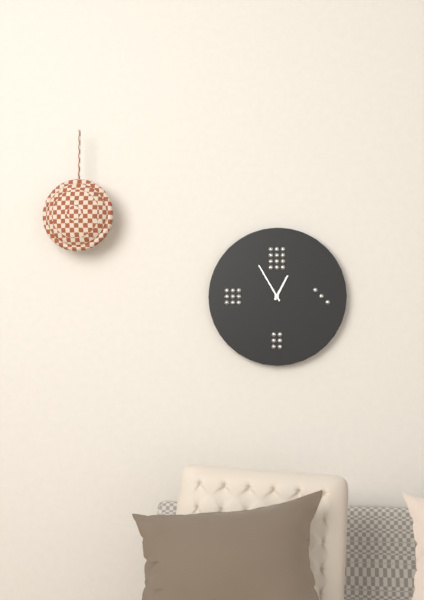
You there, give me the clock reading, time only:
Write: 12:55
